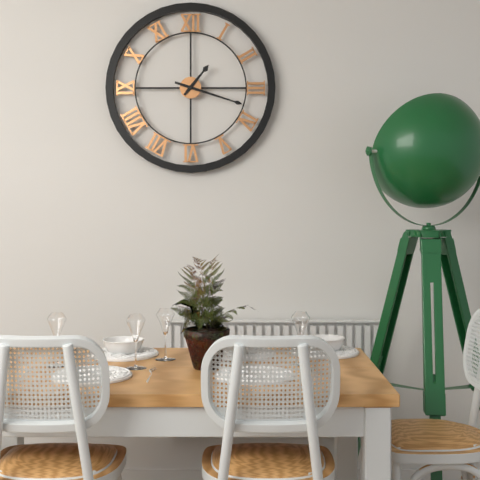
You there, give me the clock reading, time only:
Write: 1:18
